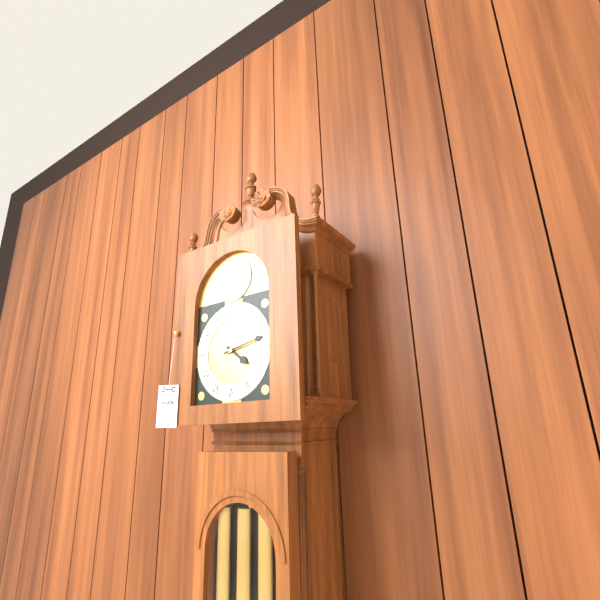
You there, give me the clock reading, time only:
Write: 4:13
